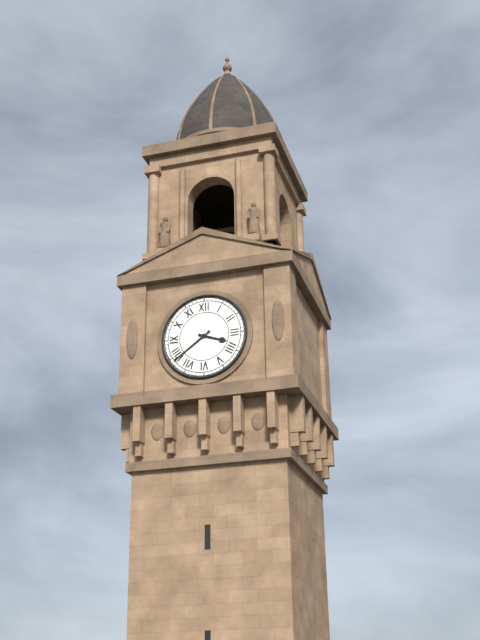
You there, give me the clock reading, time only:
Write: 3:39
